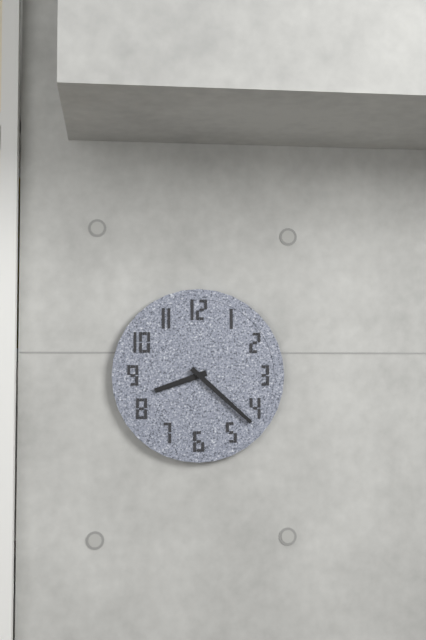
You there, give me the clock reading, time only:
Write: 8:22
